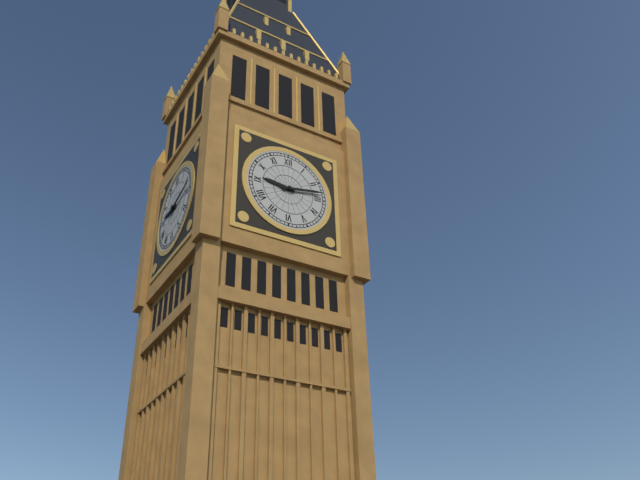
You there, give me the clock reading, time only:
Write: 9:13
